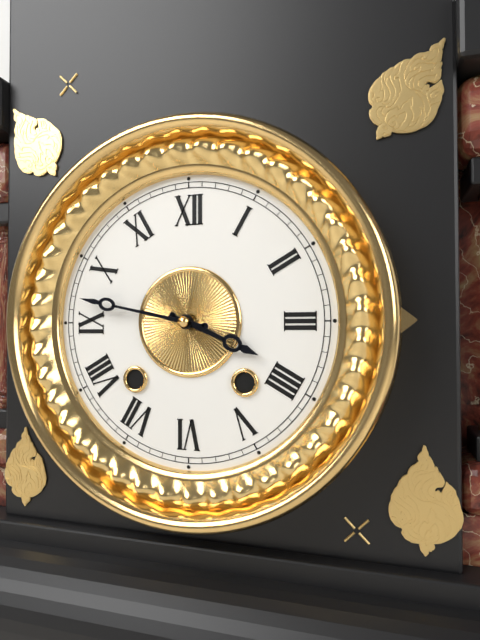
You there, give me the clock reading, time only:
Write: 3:47
